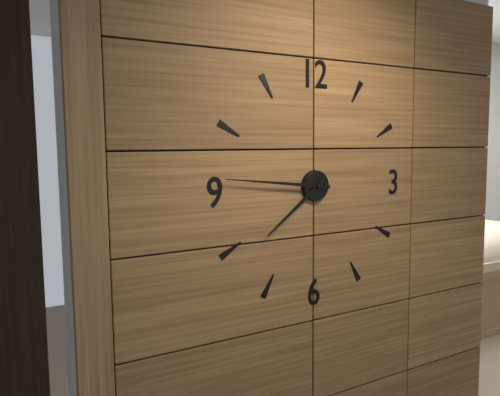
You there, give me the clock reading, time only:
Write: 7:46
